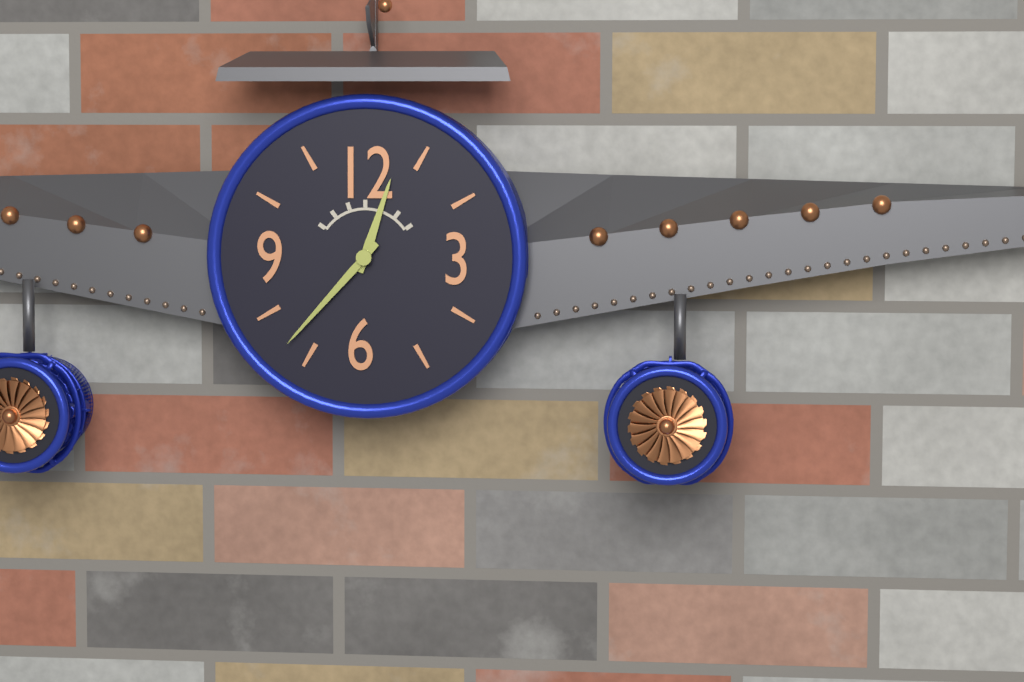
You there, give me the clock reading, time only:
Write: 12:37
